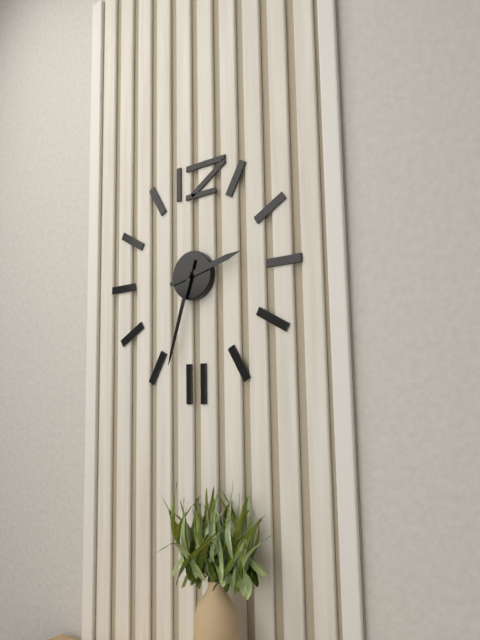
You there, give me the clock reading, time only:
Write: 2:33
